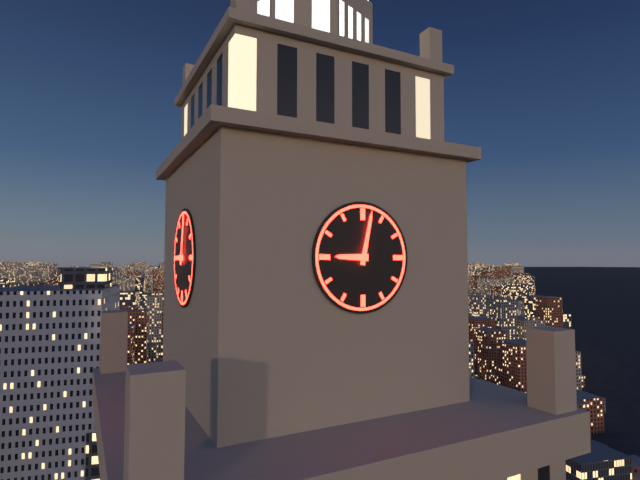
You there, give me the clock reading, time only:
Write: 9:02
